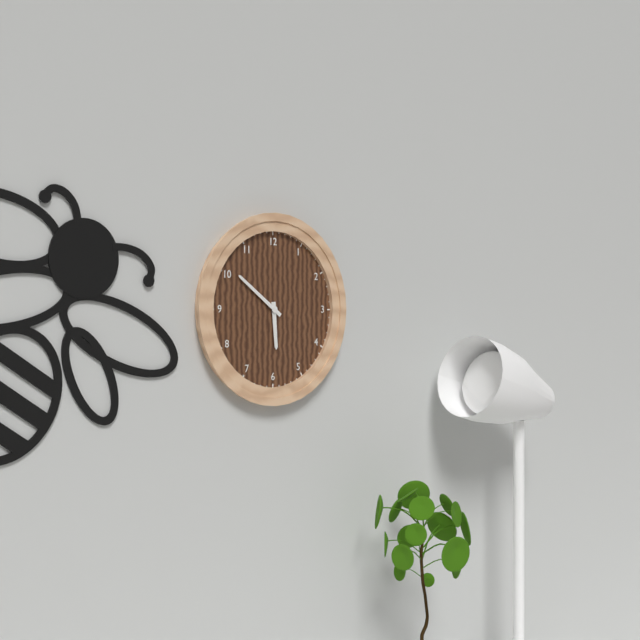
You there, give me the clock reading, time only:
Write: 5:51
